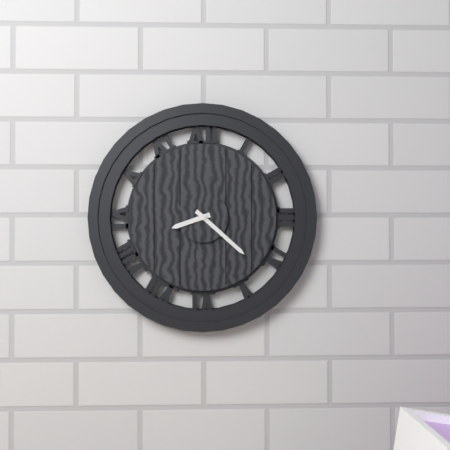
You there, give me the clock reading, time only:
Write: 8:22
